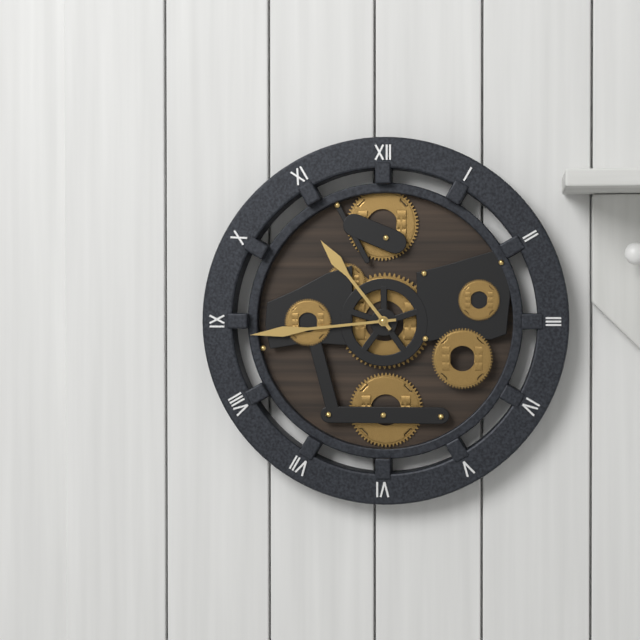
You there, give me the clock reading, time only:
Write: 10:44
